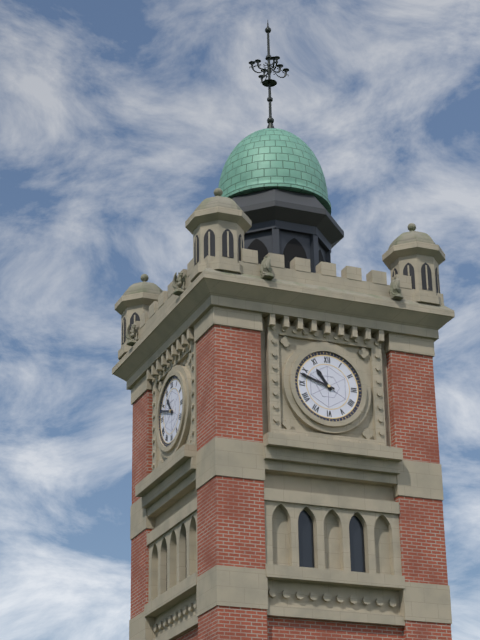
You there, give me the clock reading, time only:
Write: 10:48
